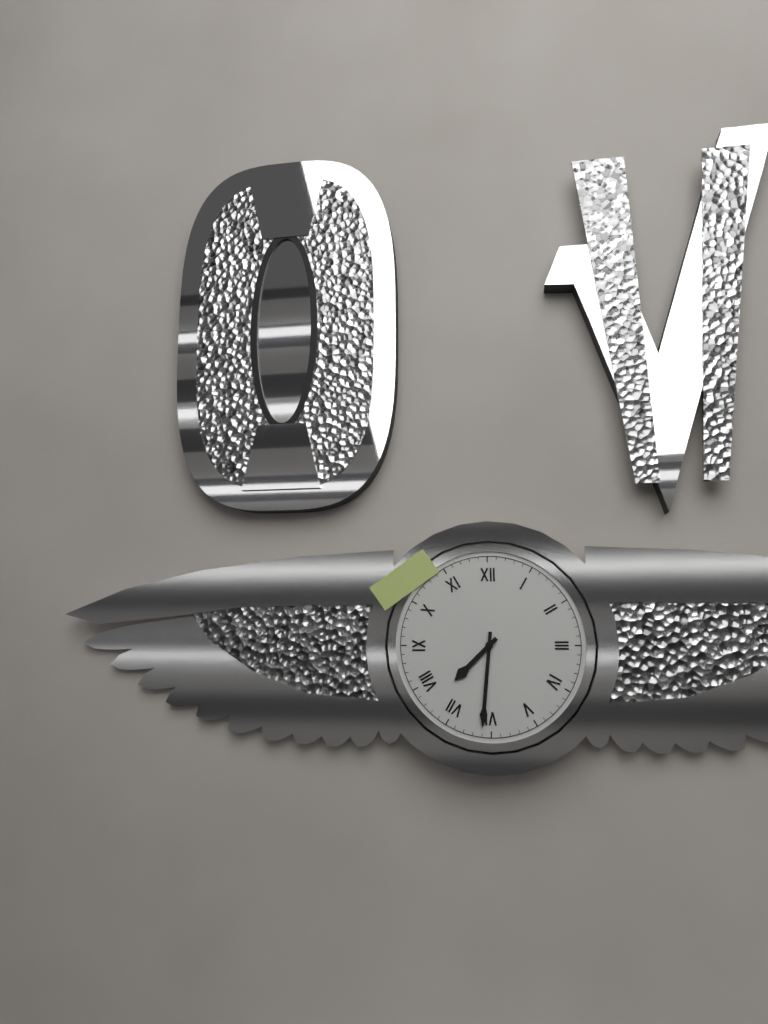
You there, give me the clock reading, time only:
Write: 7:31
